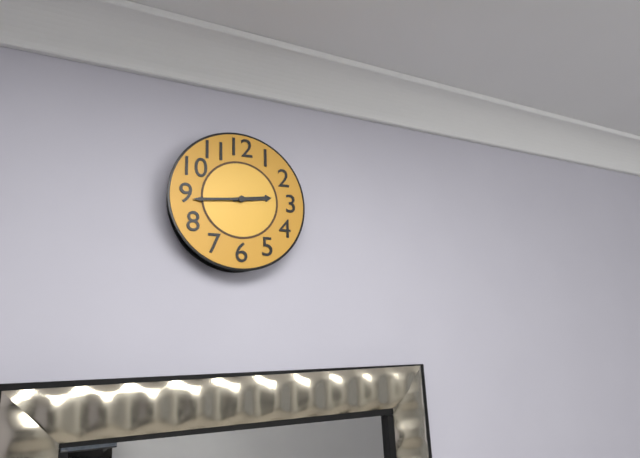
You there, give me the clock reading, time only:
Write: 2:44
